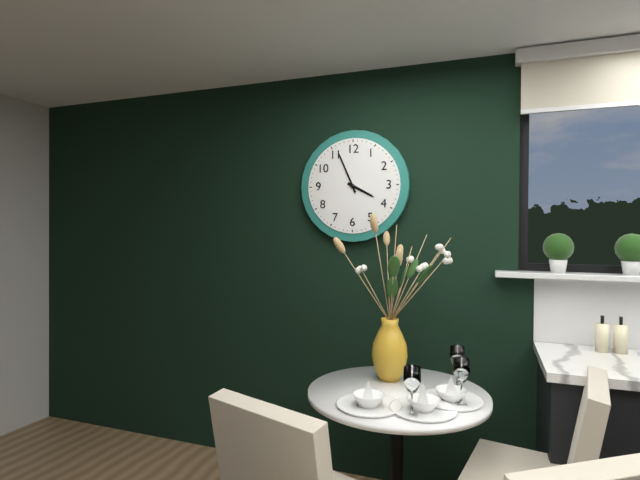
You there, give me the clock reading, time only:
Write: 3:56
